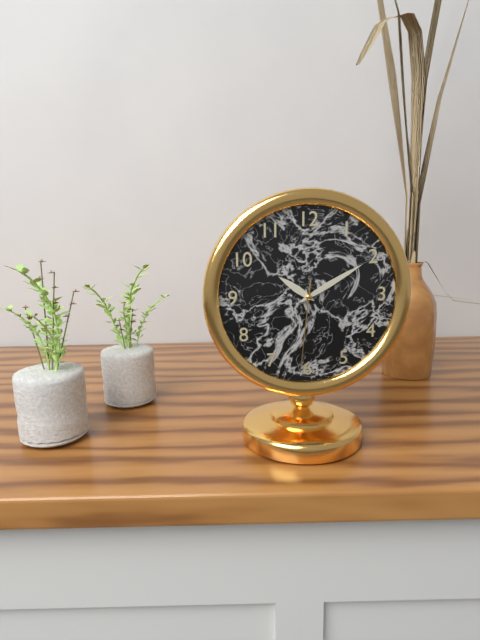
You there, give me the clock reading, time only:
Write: 10:10:31
